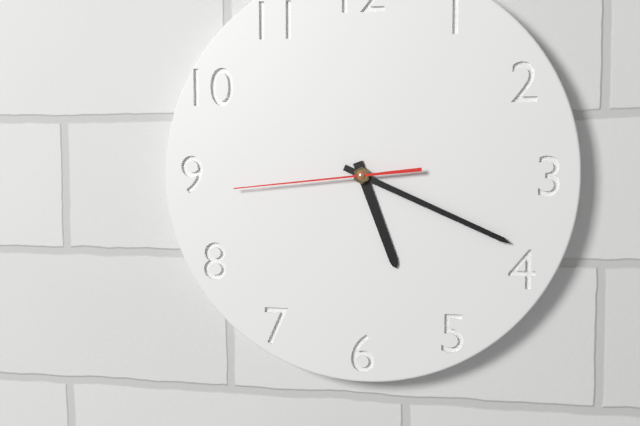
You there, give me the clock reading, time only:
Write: 5:19:44
